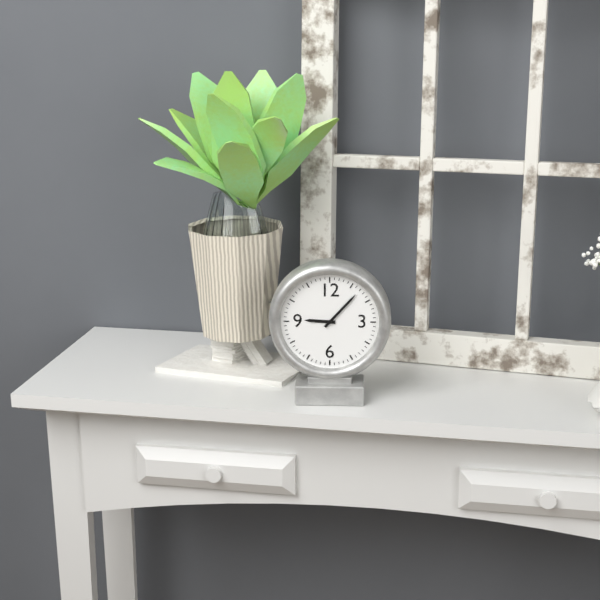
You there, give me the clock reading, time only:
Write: 9:07
